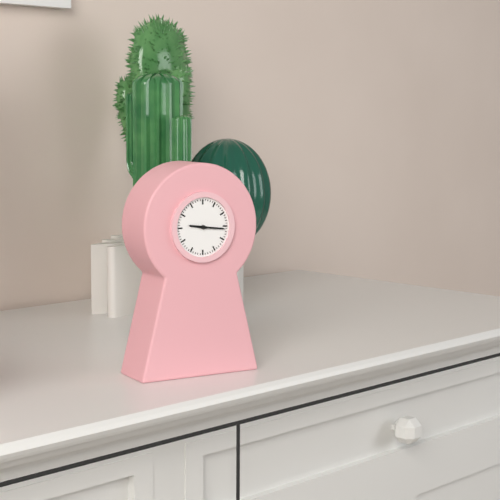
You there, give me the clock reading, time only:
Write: 9:16
